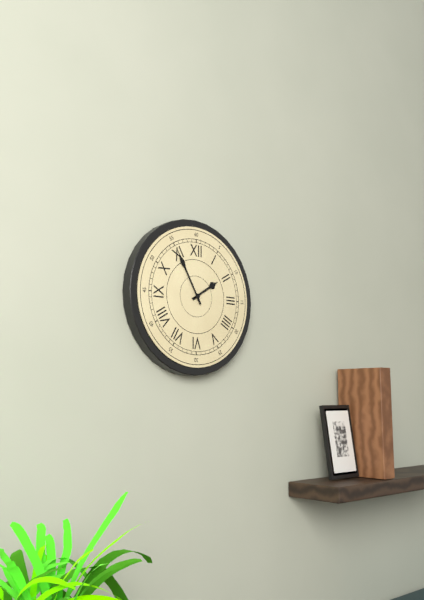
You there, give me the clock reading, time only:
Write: 1:55
